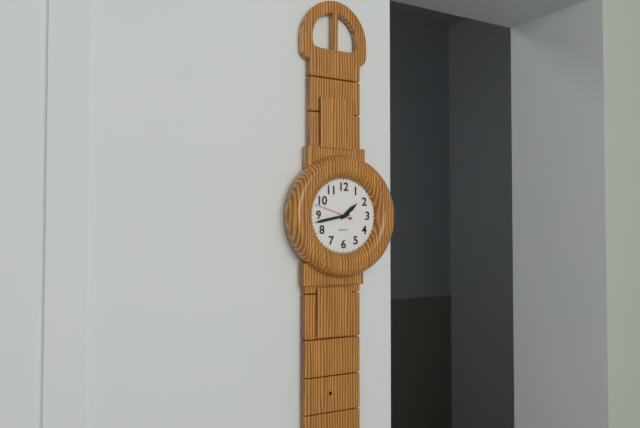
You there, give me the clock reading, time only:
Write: 1:43
